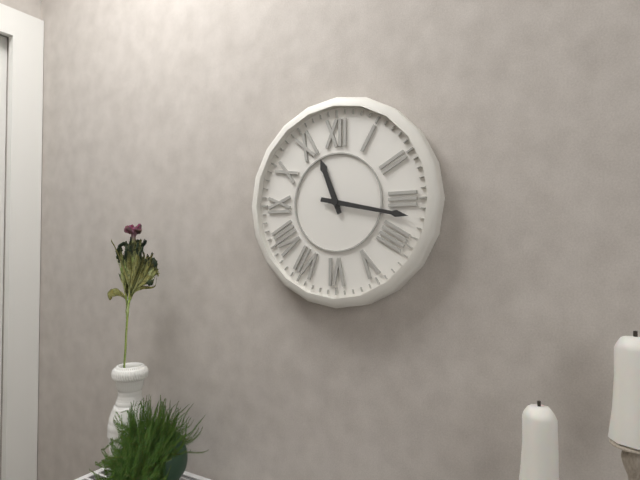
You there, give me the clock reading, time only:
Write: 11:17
